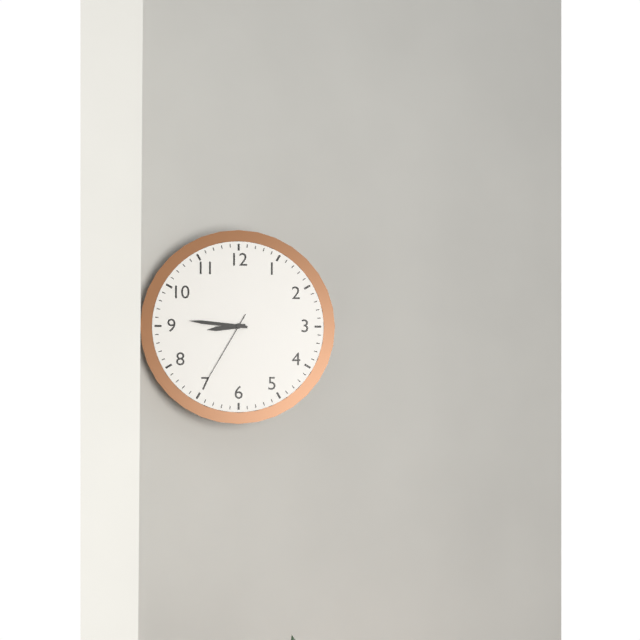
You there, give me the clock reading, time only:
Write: 8:46:35
